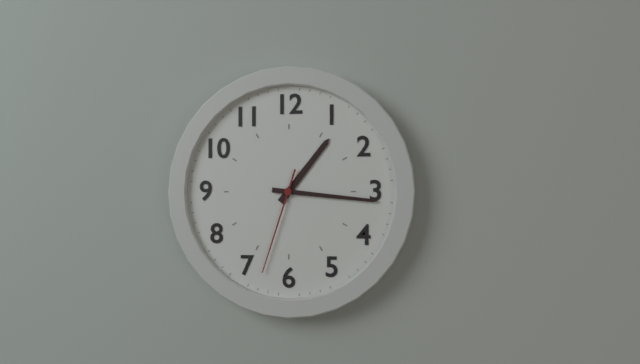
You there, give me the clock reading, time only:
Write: 1:16:33
